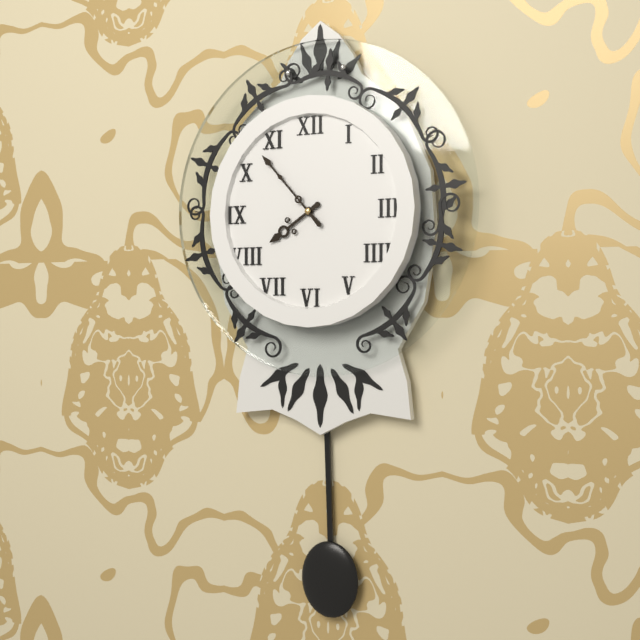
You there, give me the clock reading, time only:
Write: 7:53
